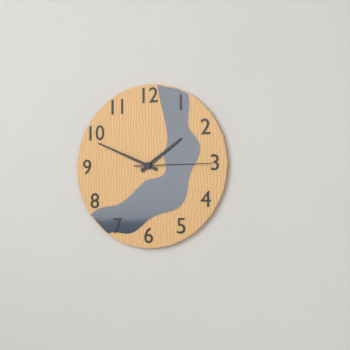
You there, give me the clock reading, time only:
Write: 1:49:15
